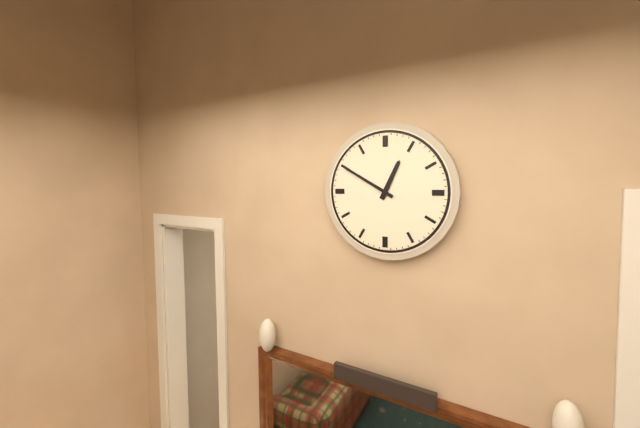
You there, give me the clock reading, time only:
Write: 12:50
